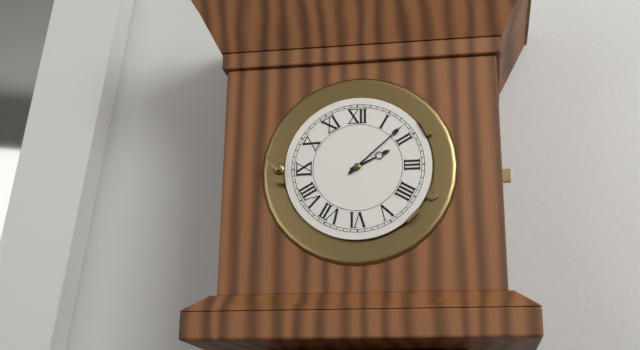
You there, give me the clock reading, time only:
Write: 2:08
